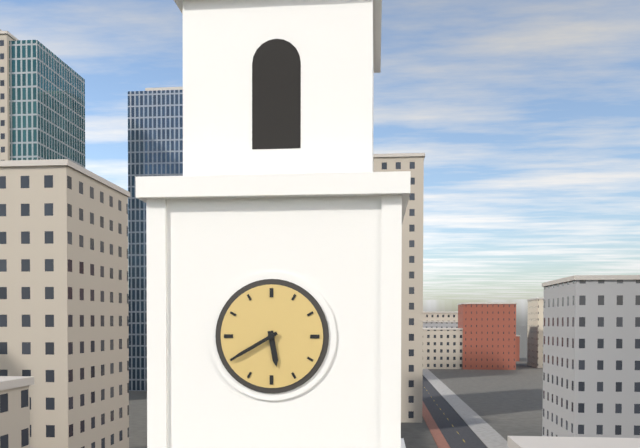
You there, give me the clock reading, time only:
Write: 5:40
